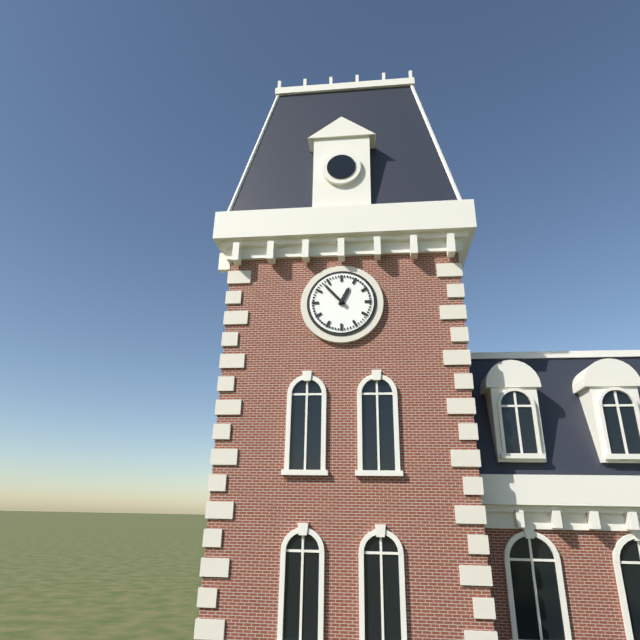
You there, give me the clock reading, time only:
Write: 12:53
